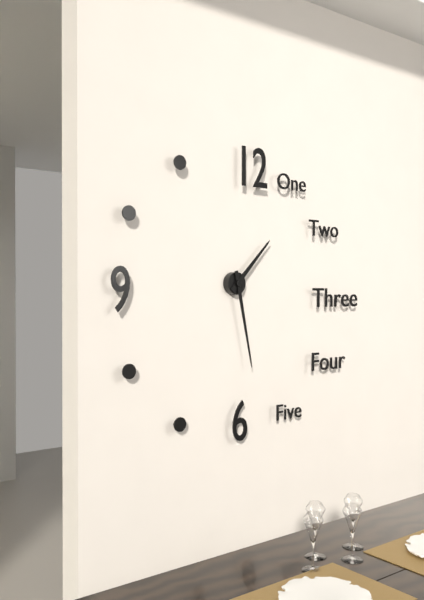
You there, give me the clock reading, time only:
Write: 1:28
